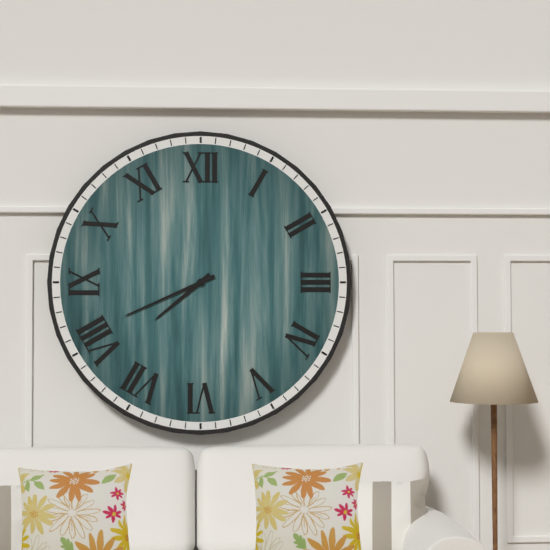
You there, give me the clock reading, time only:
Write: 7:41
